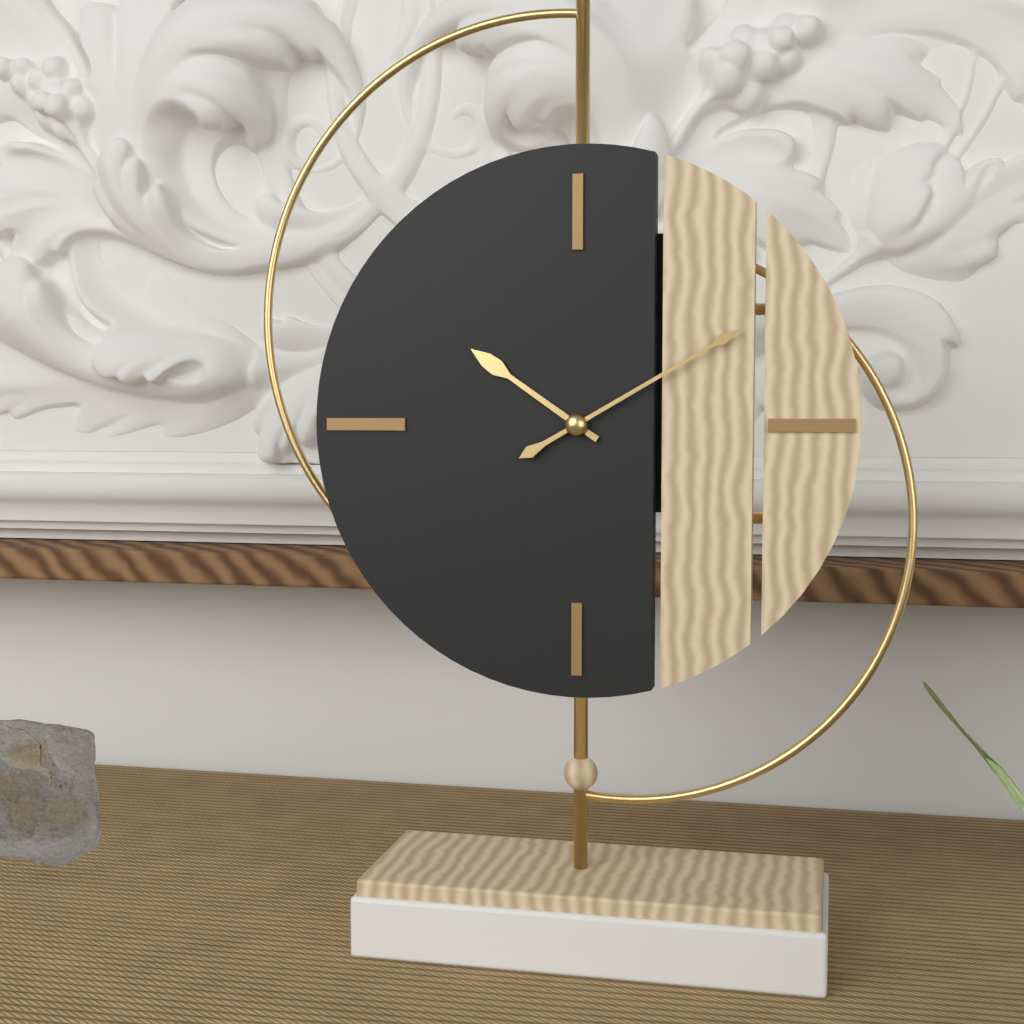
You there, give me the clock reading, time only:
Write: 10:10
